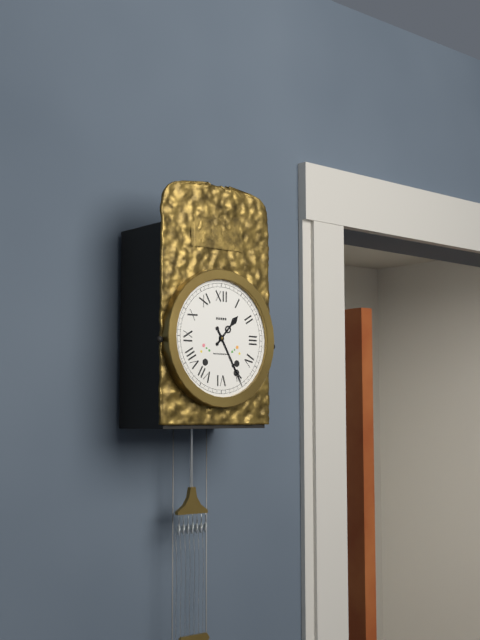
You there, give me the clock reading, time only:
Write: 1:25
